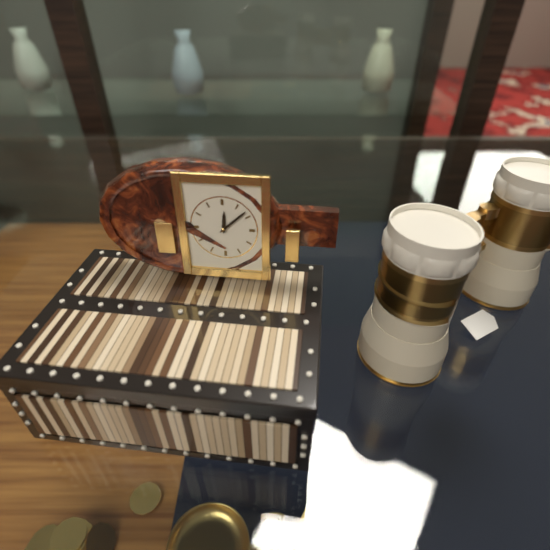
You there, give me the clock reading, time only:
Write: 12:08
